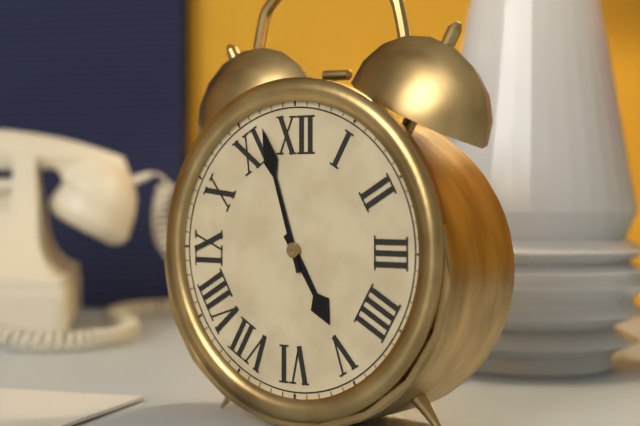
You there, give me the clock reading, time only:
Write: 4:57
